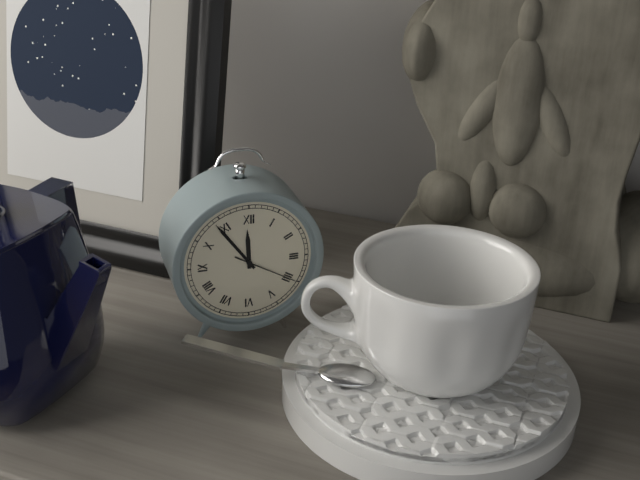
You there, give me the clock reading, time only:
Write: 11:54:20
